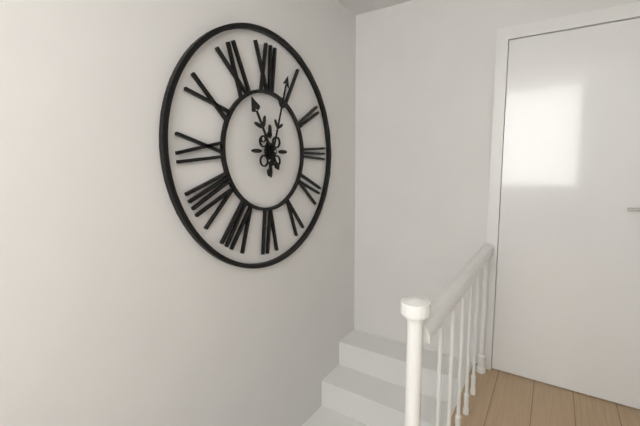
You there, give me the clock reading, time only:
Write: 11:03
